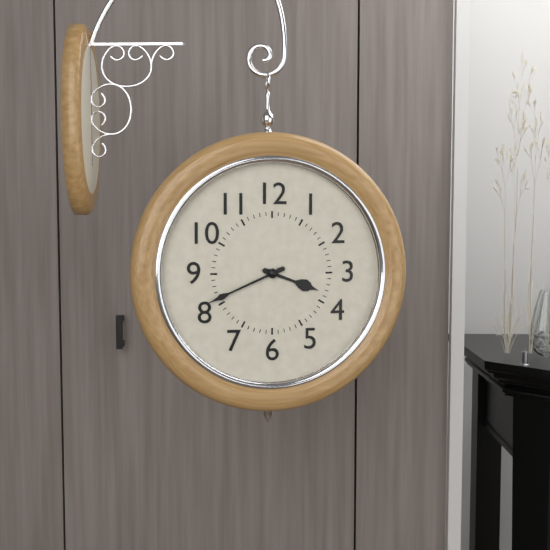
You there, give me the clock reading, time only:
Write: 3:41
